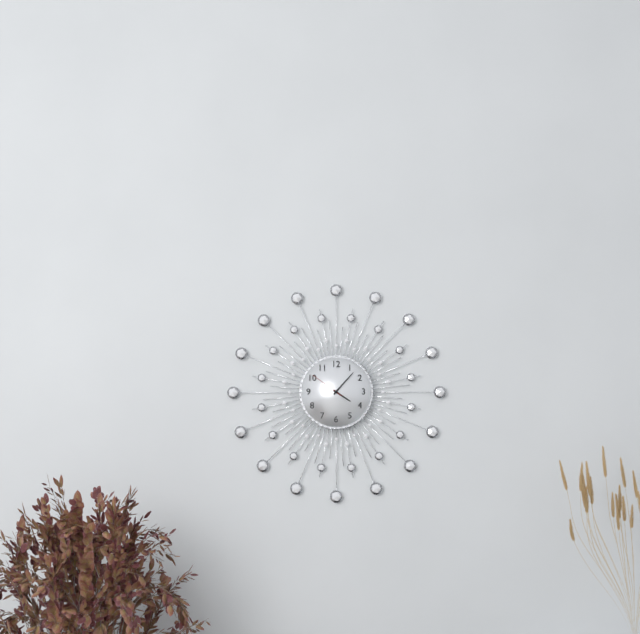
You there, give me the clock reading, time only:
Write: 4:07
